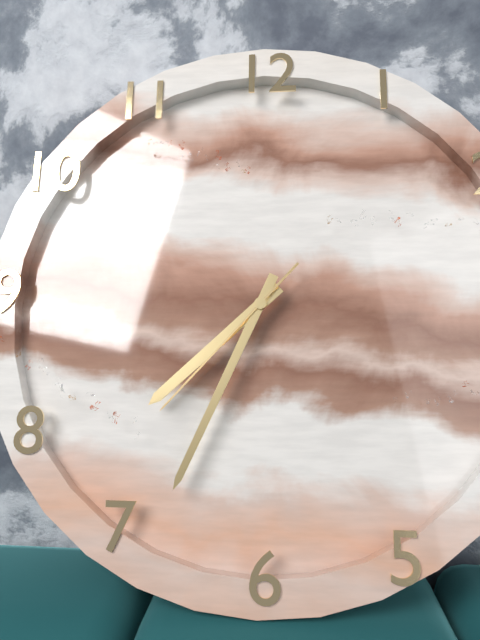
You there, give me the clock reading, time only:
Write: 7:34:37
